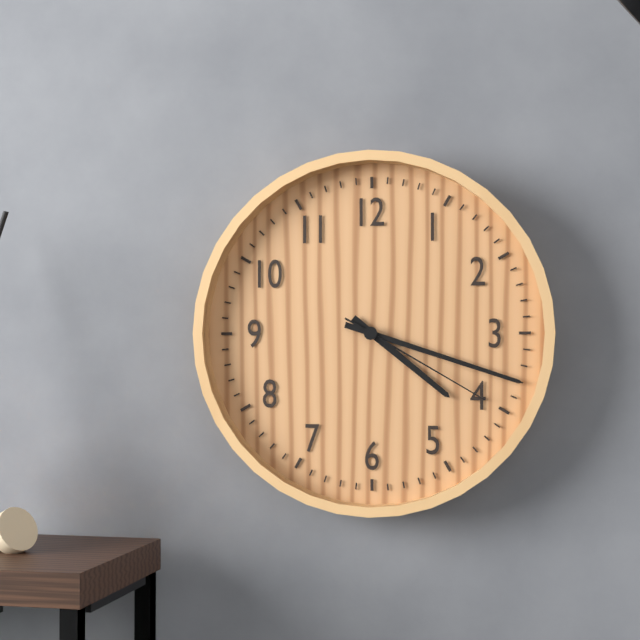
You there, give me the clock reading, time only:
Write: 4:18:20
